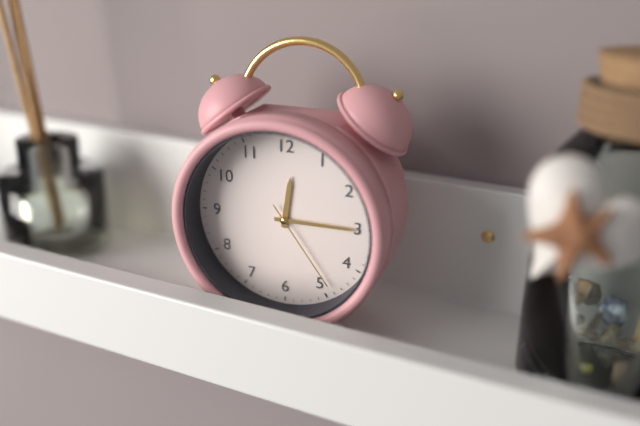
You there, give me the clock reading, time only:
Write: 12:15:24
